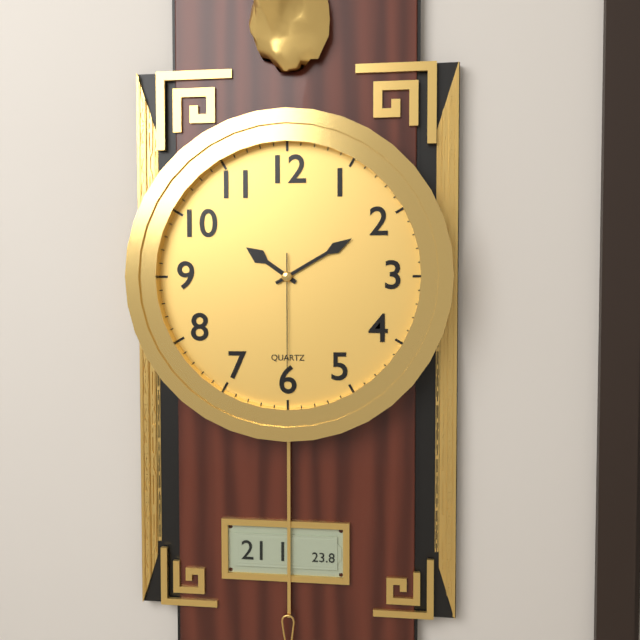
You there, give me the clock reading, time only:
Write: 10:10:30
